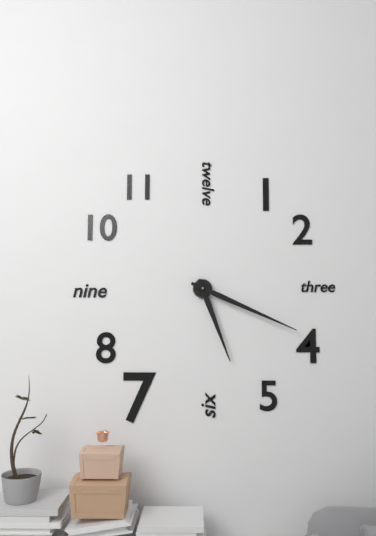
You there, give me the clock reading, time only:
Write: 5:19
